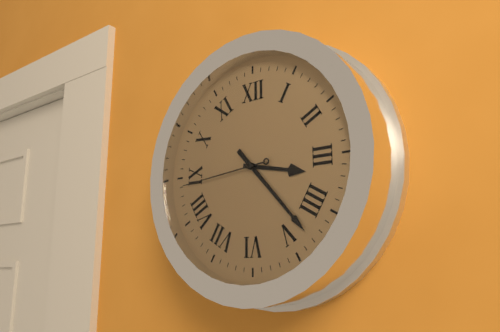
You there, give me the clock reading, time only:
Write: 3:23:44
